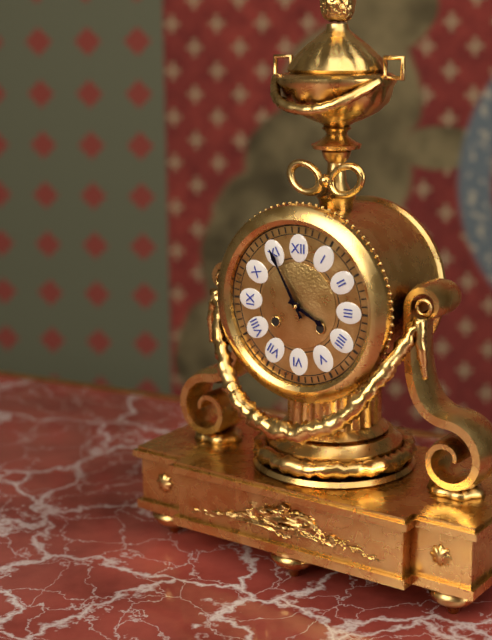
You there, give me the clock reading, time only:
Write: 3:55
